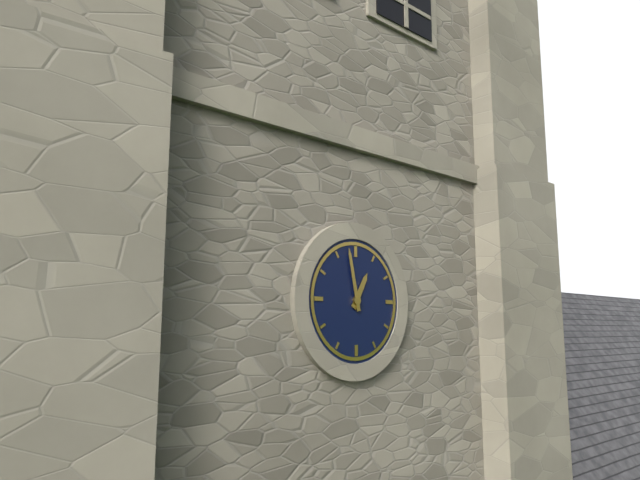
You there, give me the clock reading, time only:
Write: 12:58
